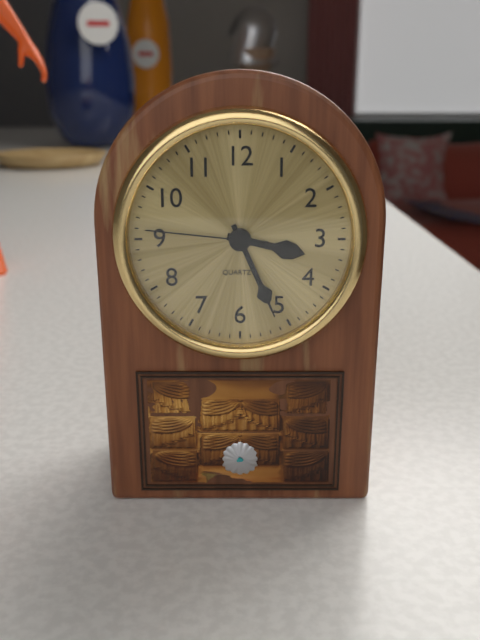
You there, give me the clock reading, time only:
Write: 3:26:46
